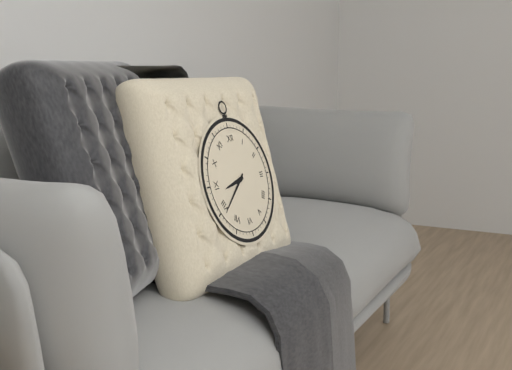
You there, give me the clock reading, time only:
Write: 8:39
